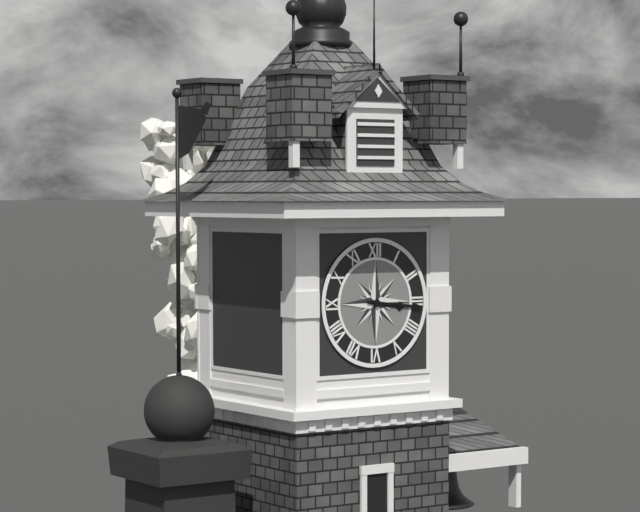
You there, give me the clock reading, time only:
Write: 3:16
